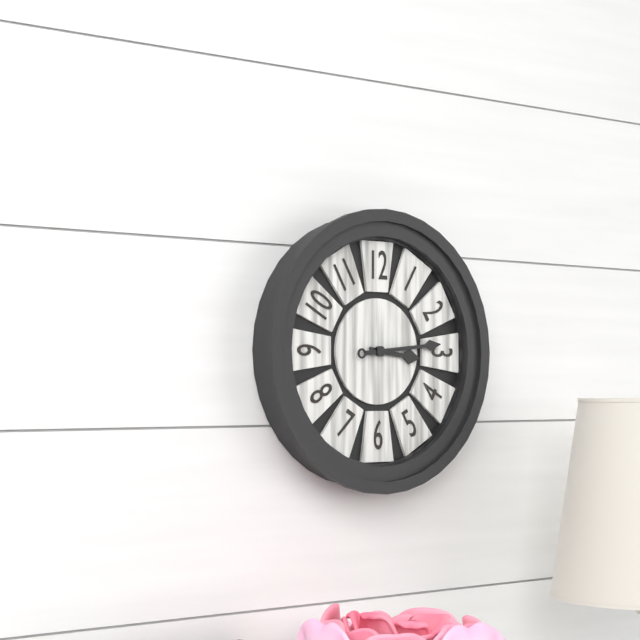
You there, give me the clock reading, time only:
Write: 3:14
